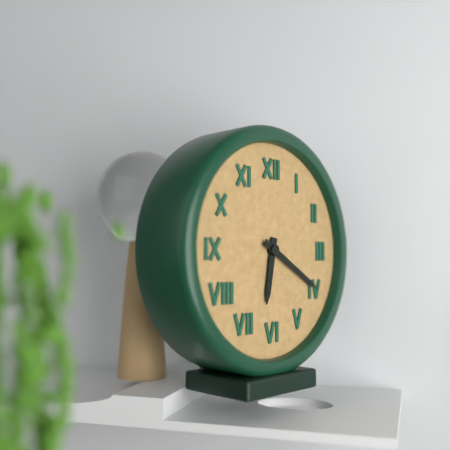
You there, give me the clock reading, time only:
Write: 6:20
